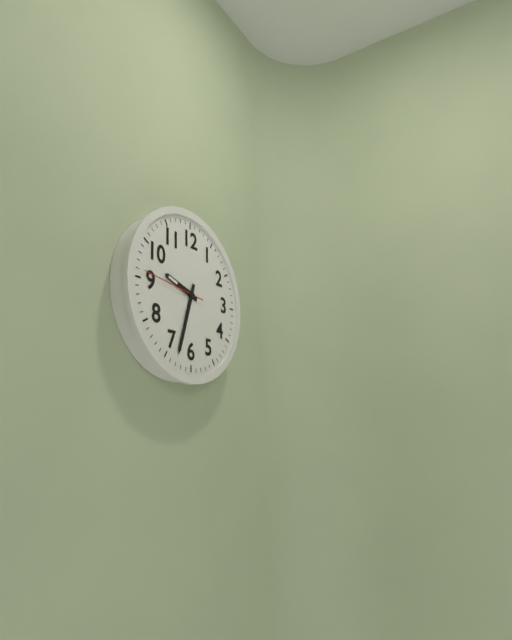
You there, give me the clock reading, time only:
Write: 9:33:46
